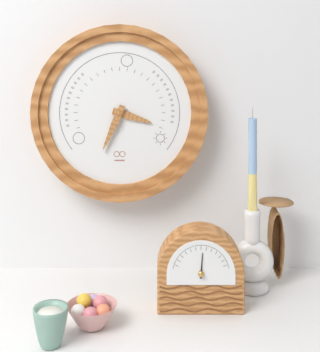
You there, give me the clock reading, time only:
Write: 3:34
